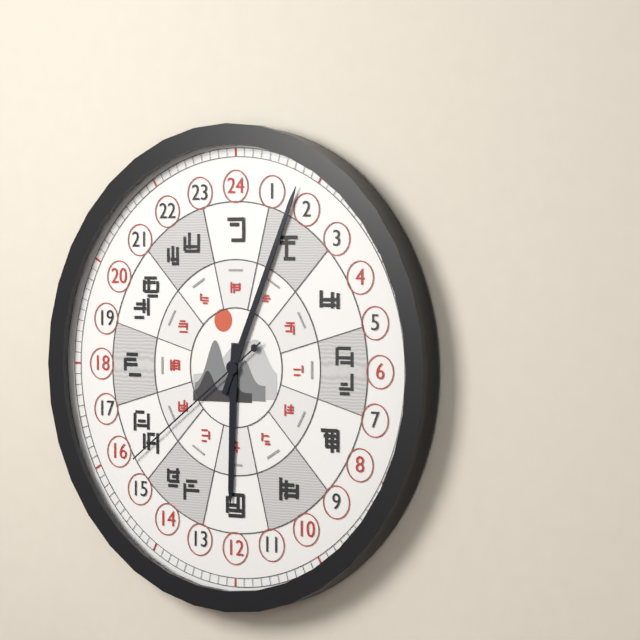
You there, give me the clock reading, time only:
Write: 6:04:39
